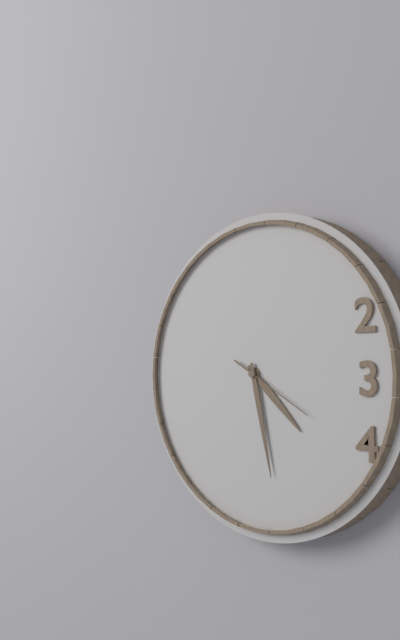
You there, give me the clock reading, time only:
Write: 4:28:20
